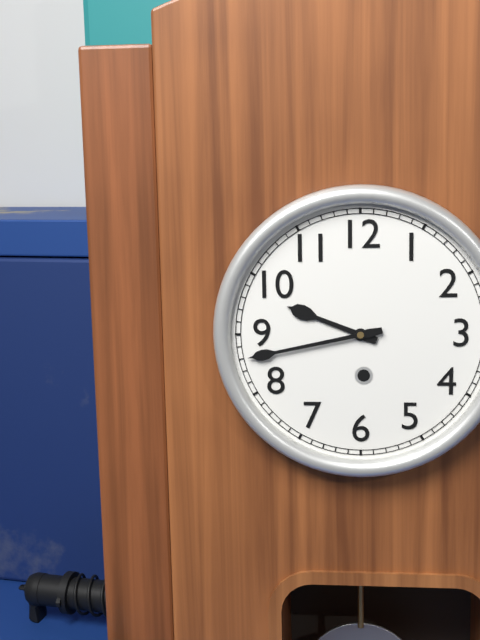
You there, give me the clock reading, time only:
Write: 9:43
